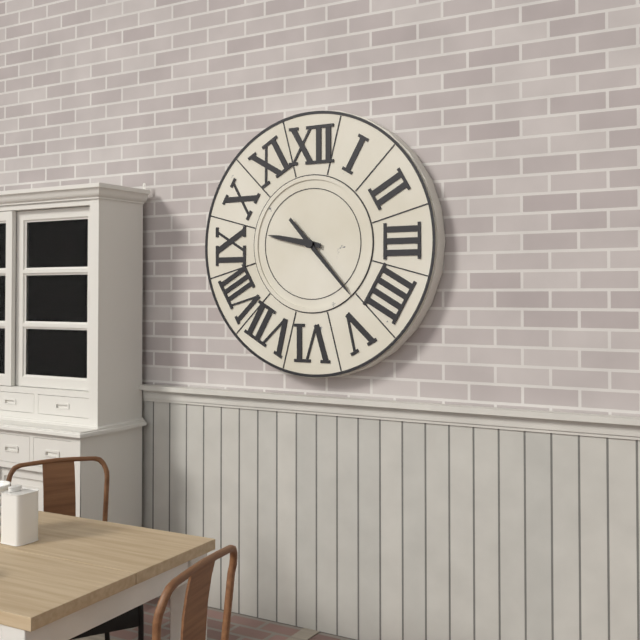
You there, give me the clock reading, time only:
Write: 9:23
